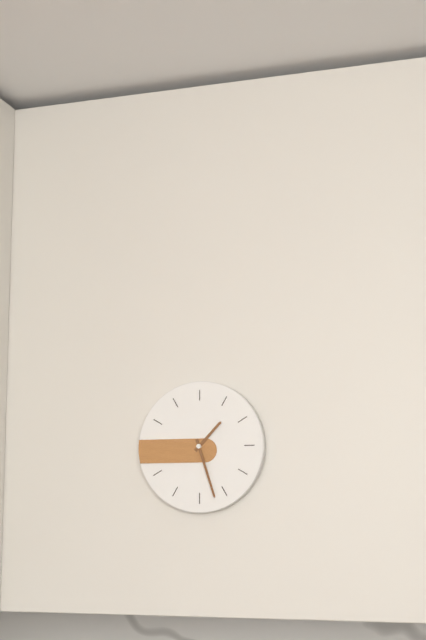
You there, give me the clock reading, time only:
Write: 1:27
